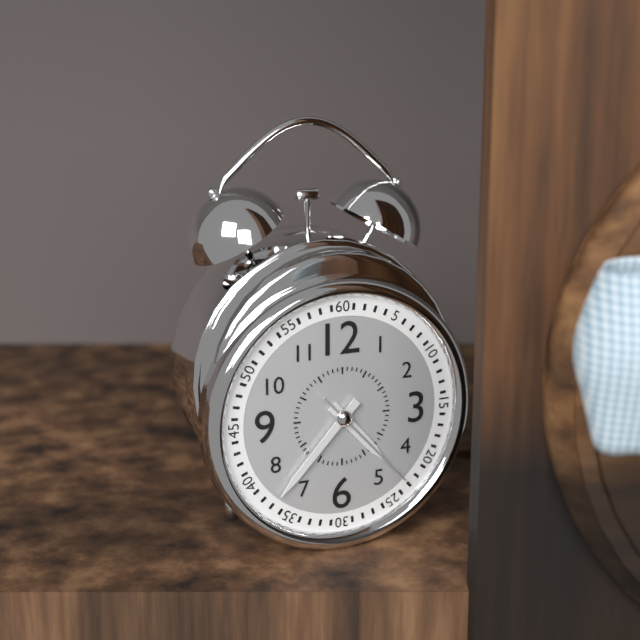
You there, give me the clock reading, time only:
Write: 4:37:23
